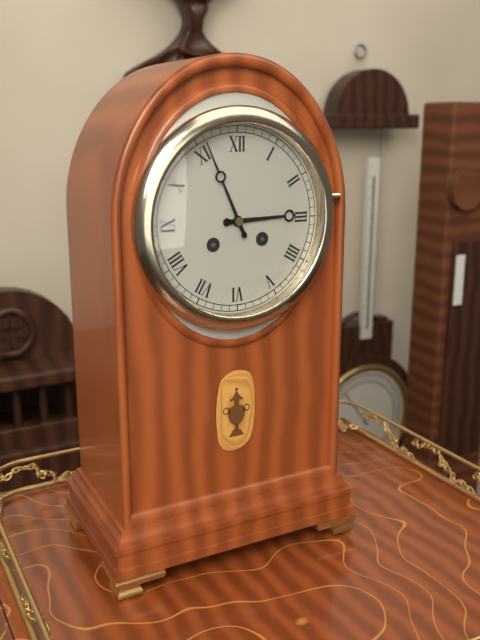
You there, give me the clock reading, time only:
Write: 2:56
